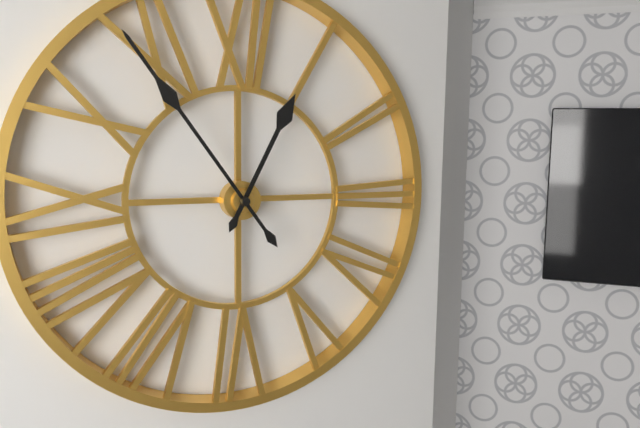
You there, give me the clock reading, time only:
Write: 12:54
